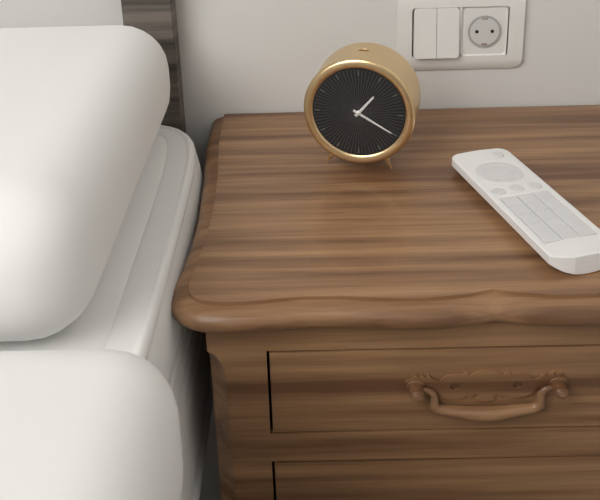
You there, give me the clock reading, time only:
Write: 1:20
